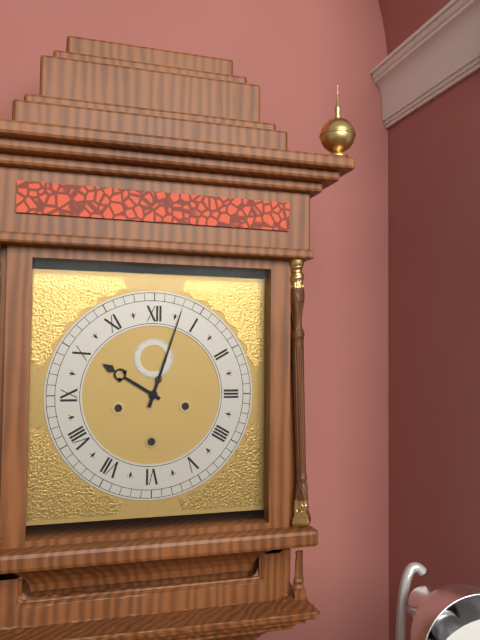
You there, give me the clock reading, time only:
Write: 10:03
